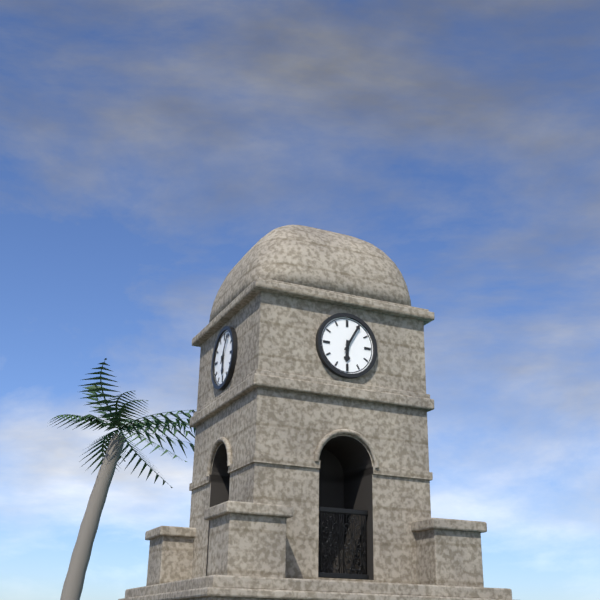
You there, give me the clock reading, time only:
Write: 6:05
